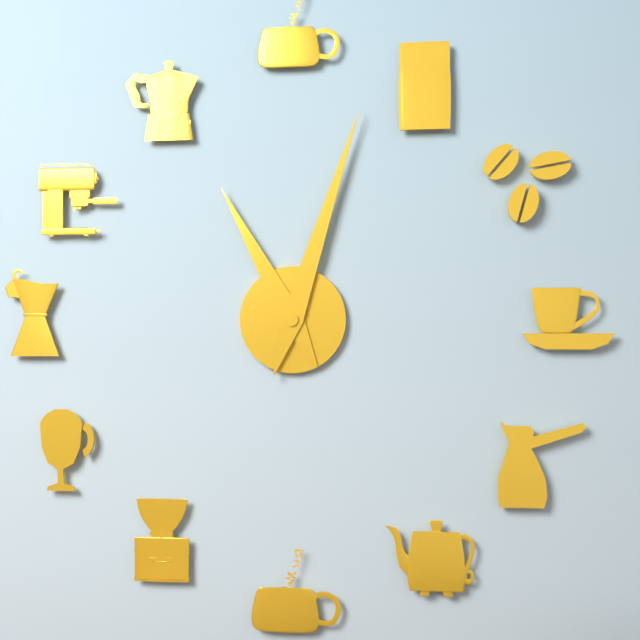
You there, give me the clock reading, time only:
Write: 11:03
